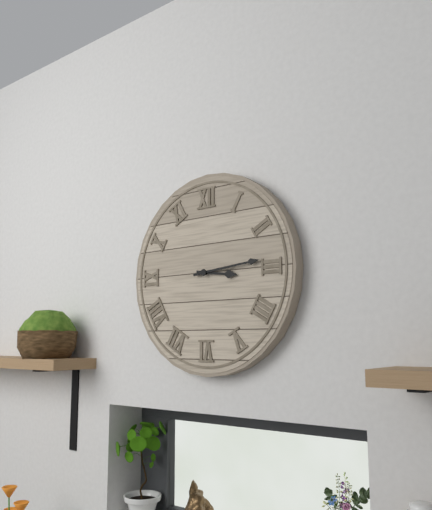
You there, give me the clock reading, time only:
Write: 3:14
